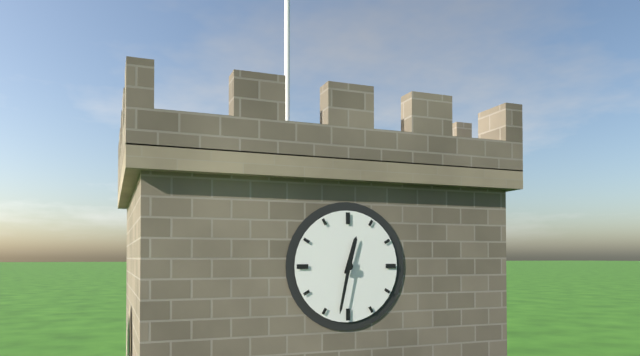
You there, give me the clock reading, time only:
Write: 12:32
